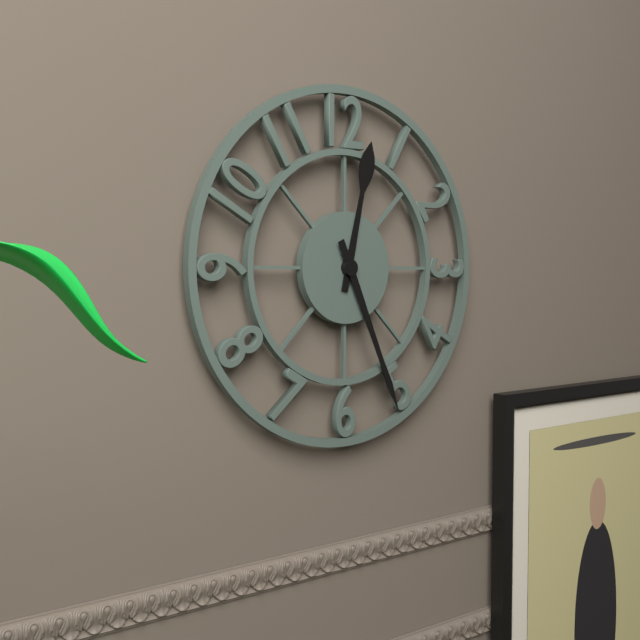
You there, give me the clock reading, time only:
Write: 12:26
